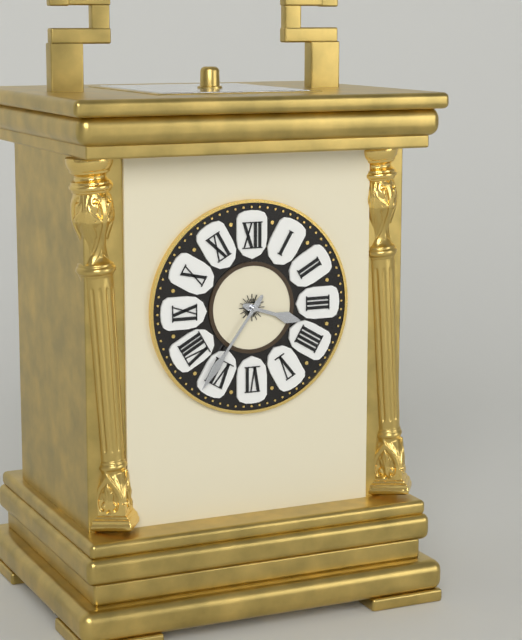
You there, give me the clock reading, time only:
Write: 3:36
